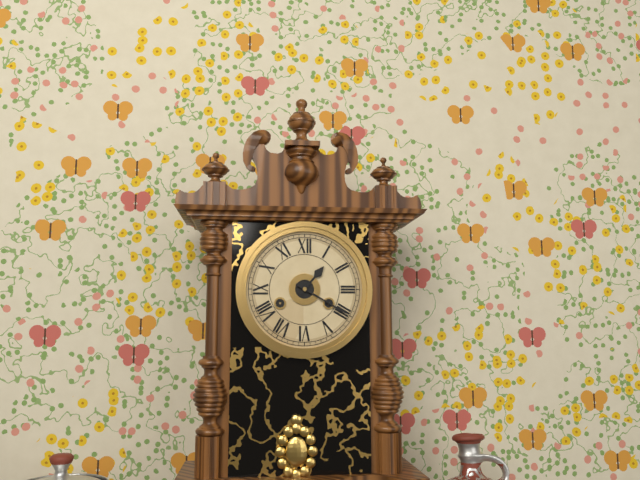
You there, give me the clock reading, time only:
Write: 1:20
